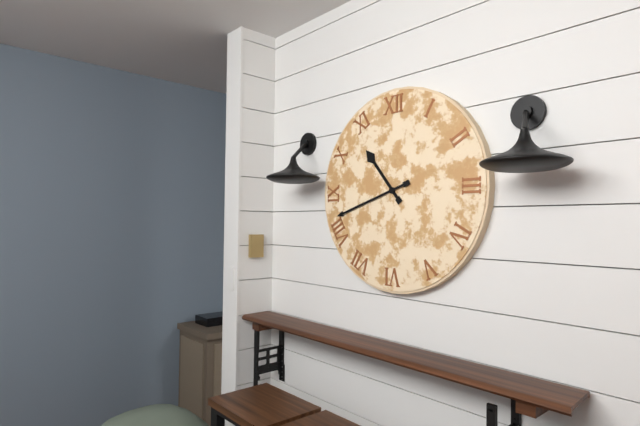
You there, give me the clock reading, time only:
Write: 10:42
